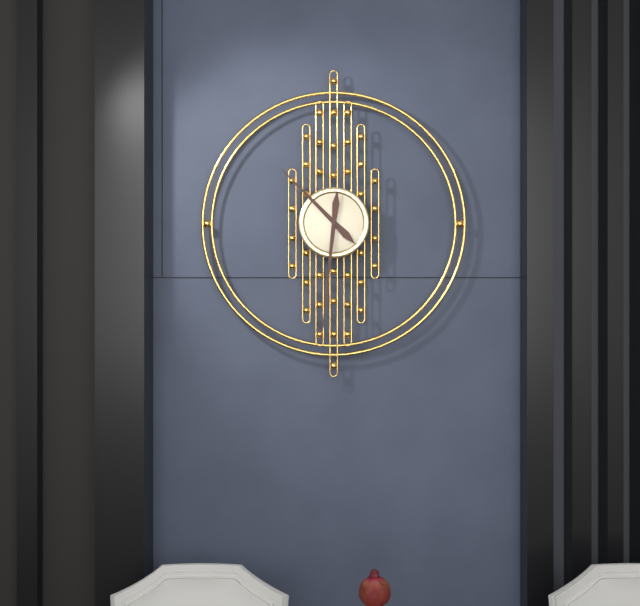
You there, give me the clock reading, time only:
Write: 10:31
